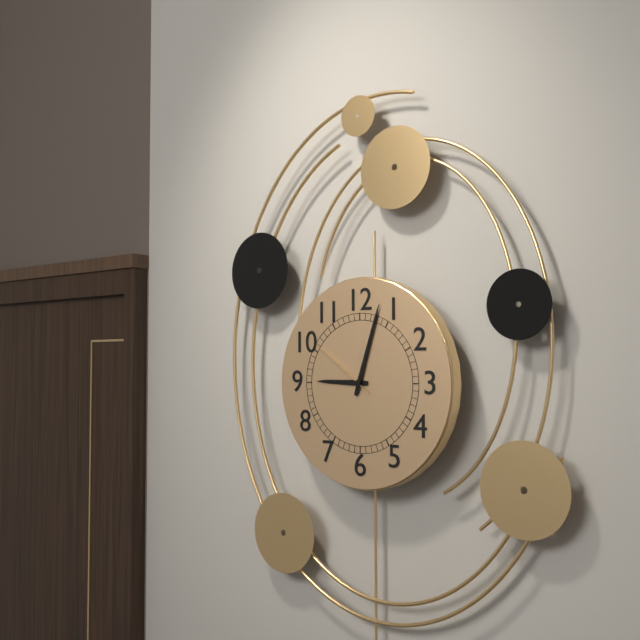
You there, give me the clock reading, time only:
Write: 9:03:51
